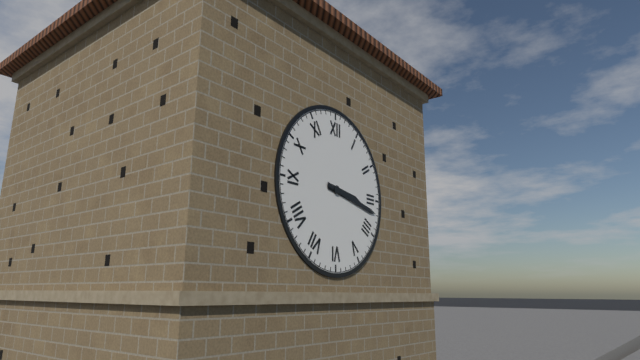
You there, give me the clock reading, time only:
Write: 3:17
